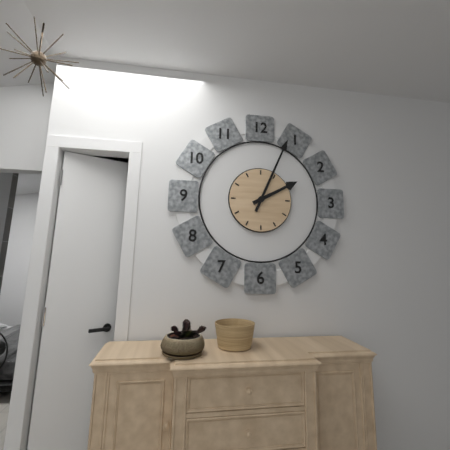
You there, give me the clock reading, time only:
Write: 2:04
